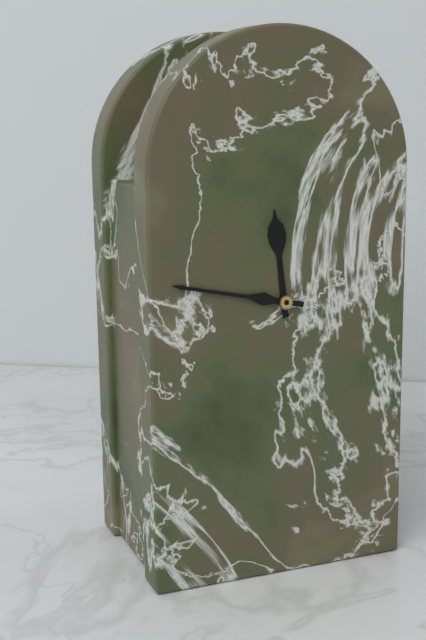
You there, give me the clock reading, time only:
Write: 11:47
